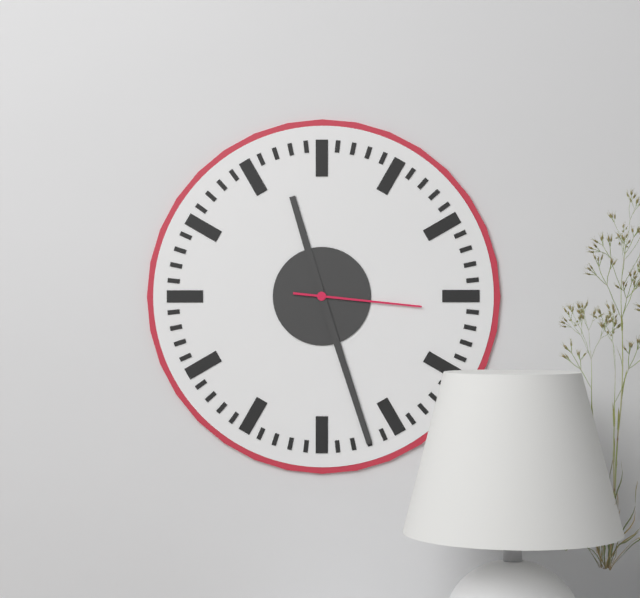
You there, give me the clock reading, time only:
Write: 11:27:16
